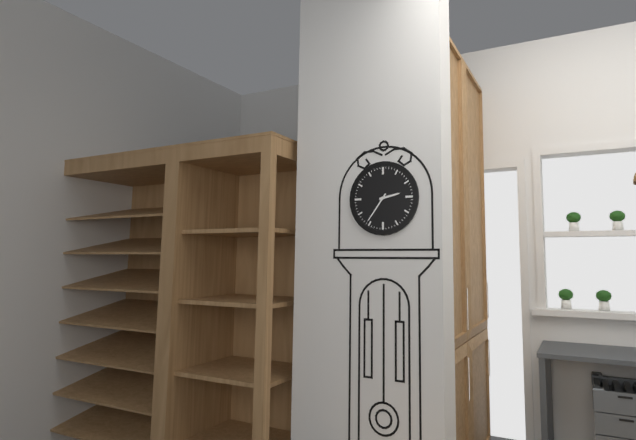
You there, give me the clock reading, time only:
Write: 2:36
